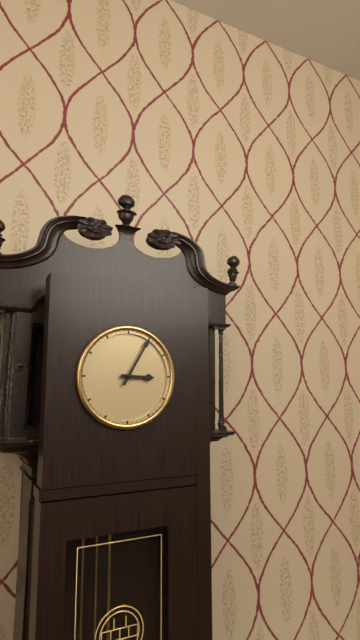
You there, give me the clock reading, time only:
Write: 3:05
